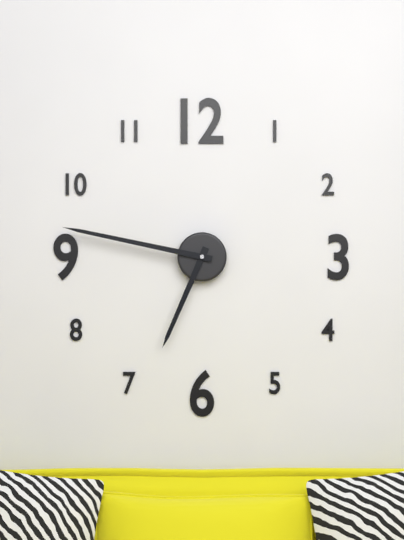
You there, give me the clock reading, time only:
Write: 6:47
